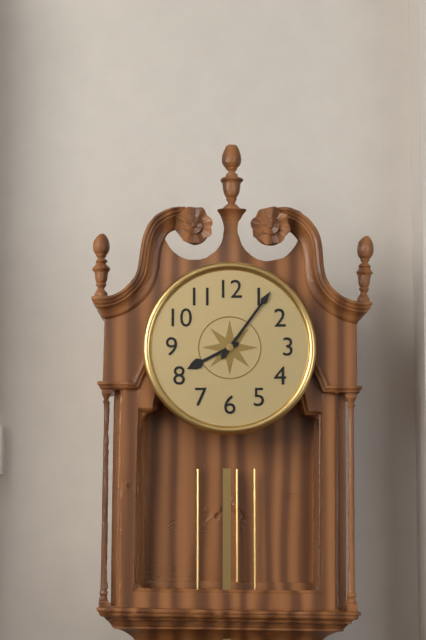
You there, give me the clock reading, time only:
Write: 8:06
